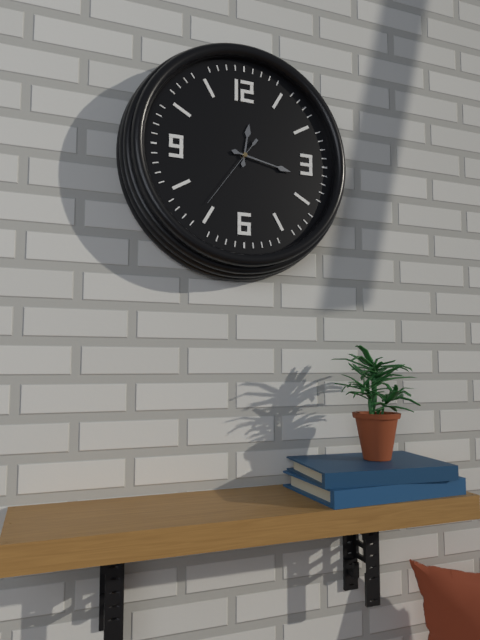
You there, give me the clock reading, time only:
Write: 12:17:36
